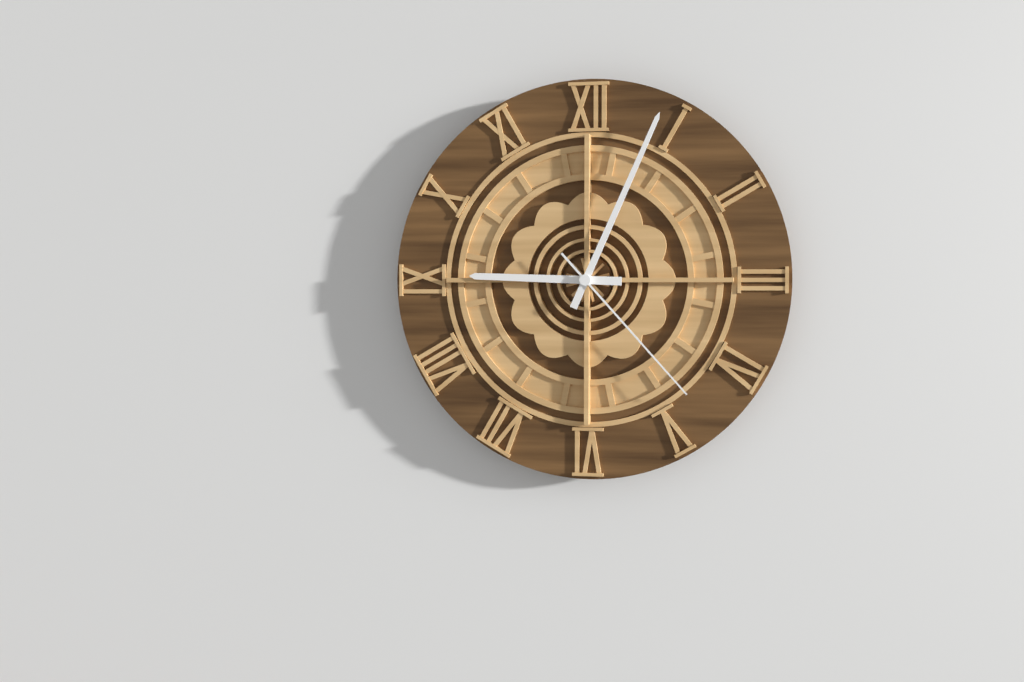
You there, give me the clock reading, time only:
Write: 9:04:23
